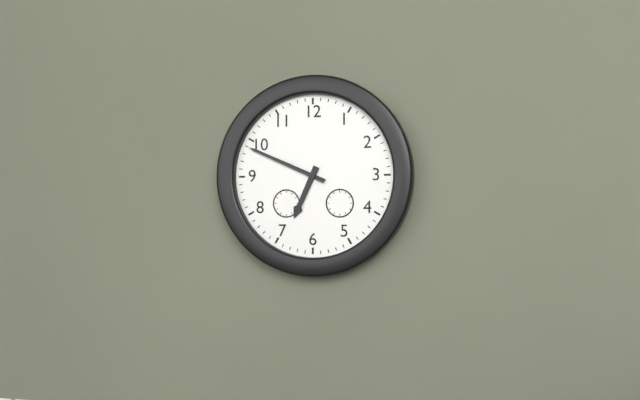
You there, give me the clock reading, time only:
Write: 6:49
